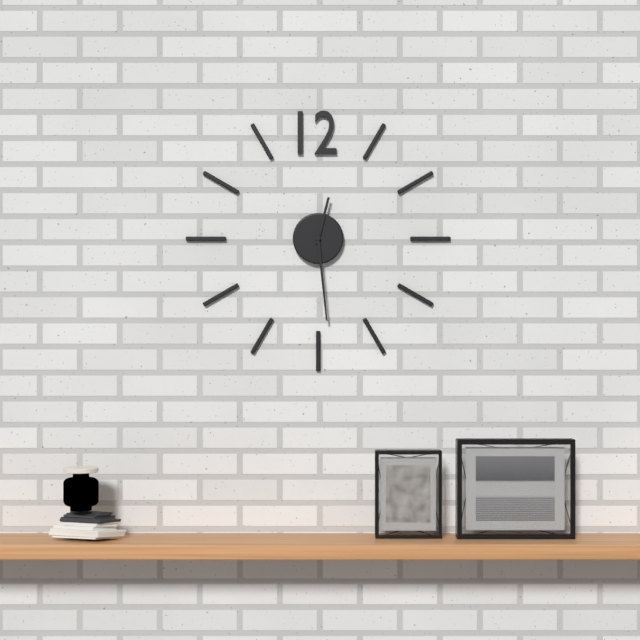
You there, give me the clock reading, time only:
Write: 12:29
